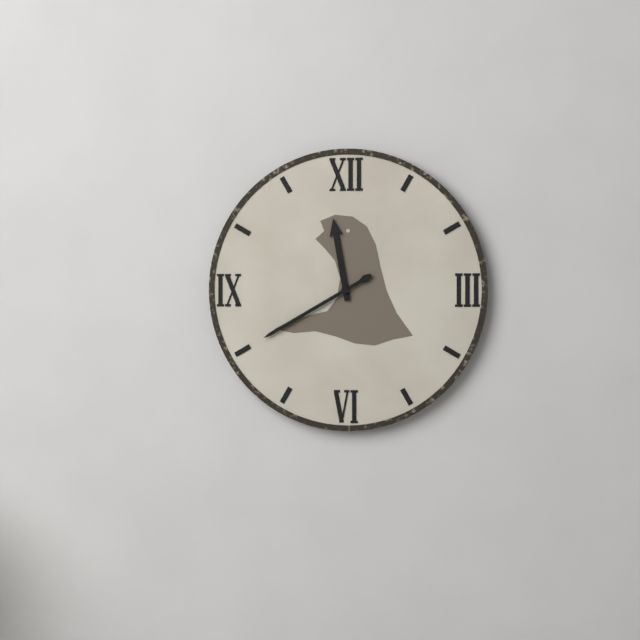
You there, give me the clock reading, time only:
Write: 11:40
